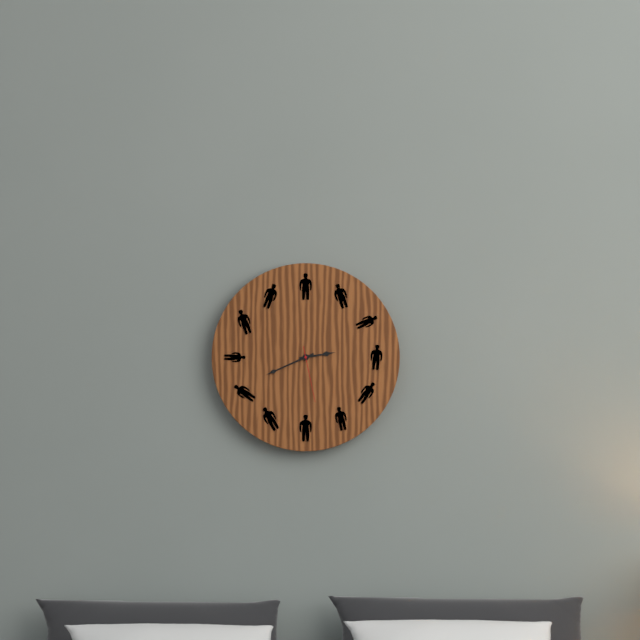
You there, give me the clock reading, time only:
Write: 2:41:28
